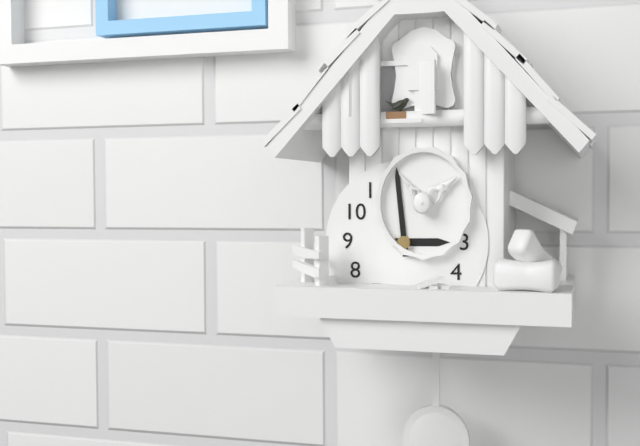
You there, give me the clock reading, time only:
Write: 2:59
